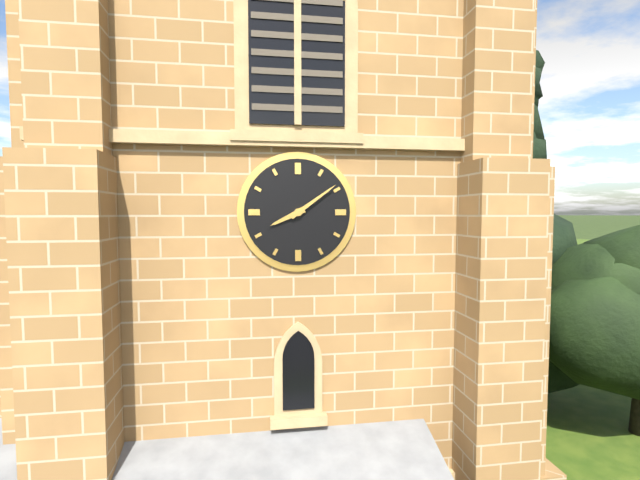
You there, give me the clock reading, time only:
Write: 8:09
